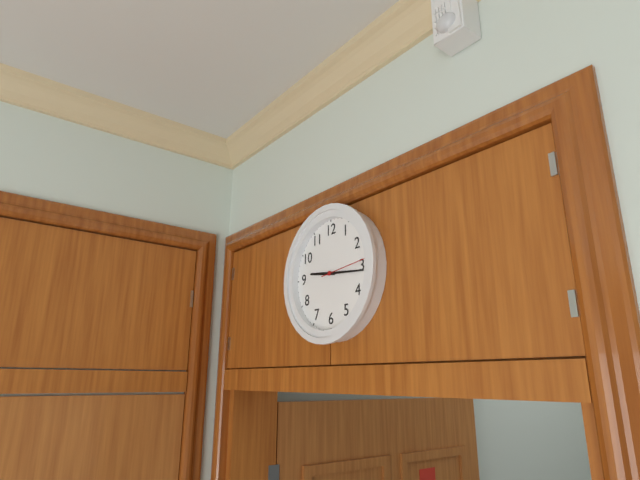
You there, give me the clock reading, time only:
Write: 9:16
